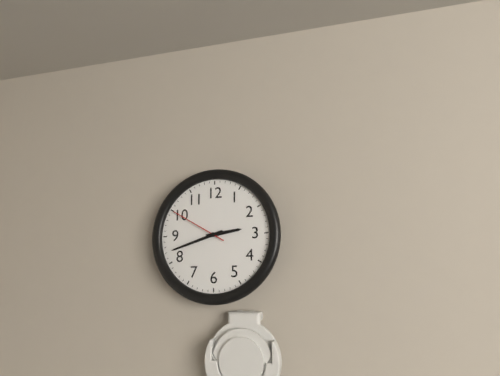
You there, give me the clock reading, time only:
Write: 2:42:50
